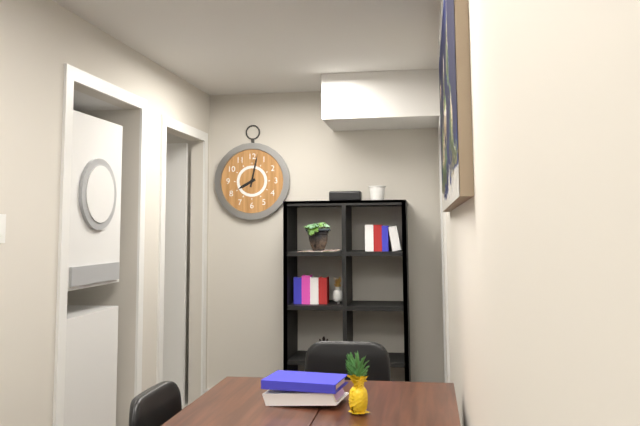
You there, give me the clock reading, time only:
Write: 8:02
